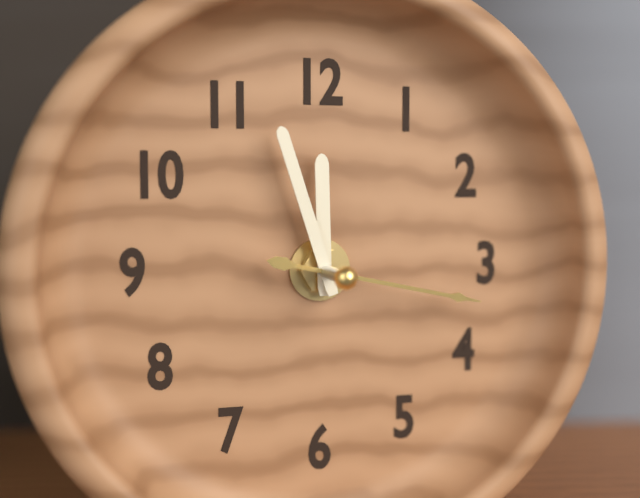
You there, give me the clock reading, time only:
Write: 11:57:17
